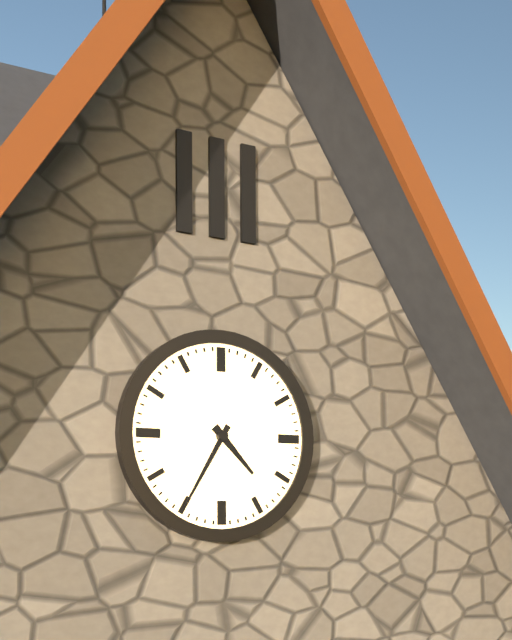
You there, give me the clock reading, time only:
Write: 4:35
